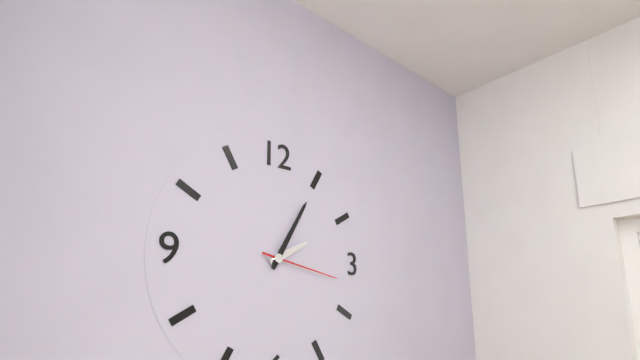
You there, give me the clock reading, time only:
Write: 2:05:17
